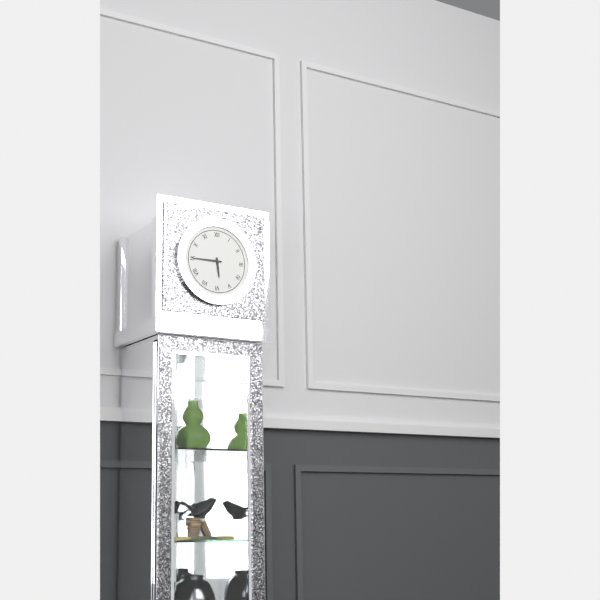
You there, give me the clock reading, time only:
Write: 5:45
